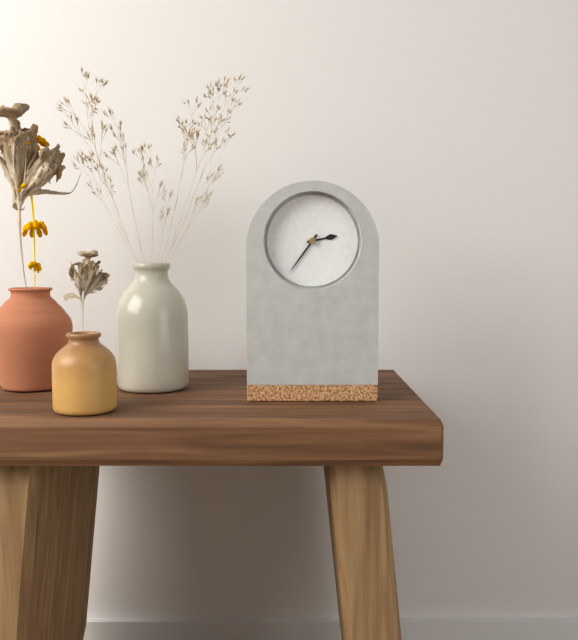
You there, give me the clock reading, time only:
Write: 2:36
